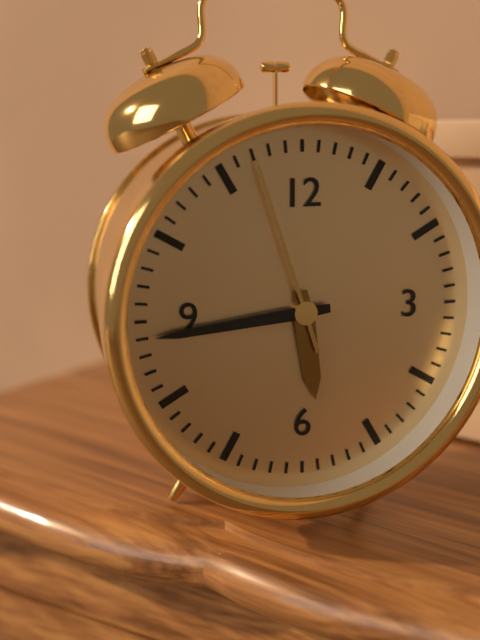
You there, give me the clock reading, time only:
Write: 5:44:57
